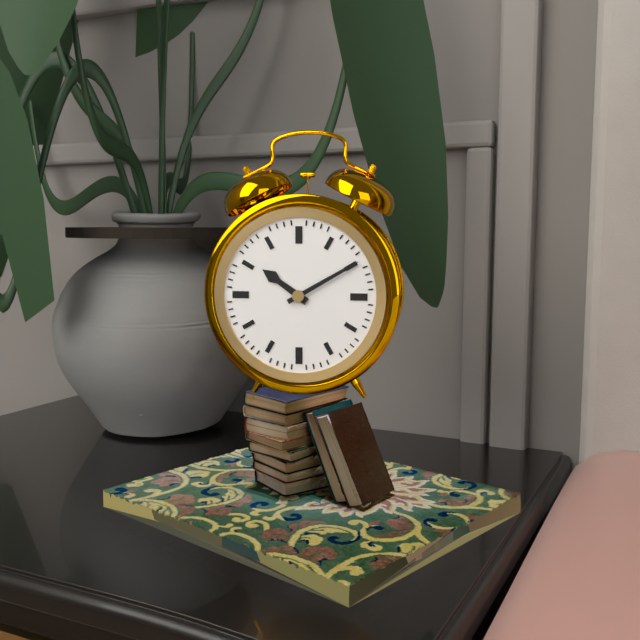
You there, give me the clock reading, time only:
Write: 10:10
